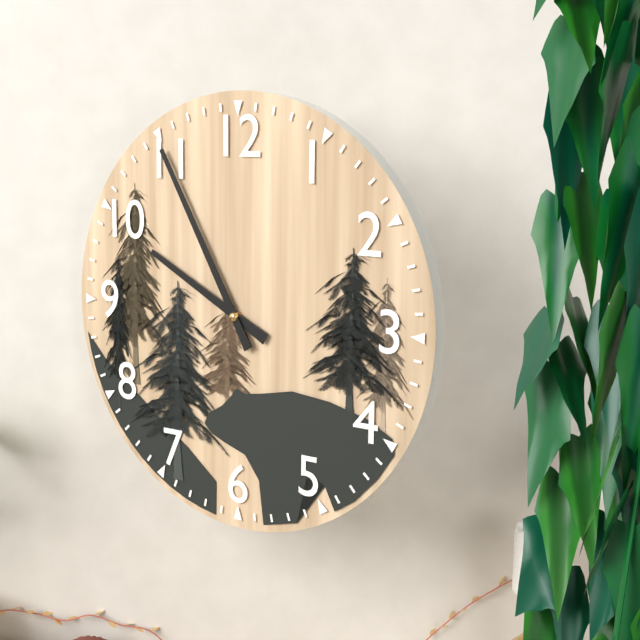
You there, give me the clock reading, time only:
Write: 9:55
